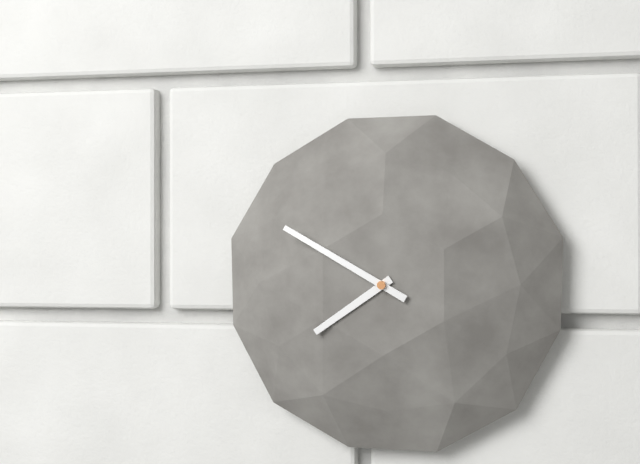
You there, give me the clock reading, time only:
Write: 7:50
